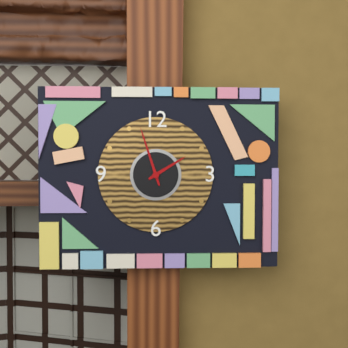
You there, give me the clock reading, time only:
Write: 1:57
